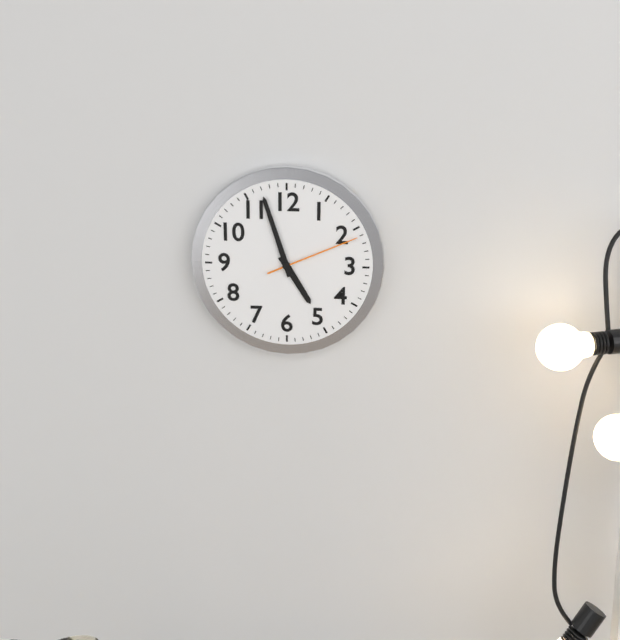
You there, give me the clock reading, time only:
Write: 4:57:11
